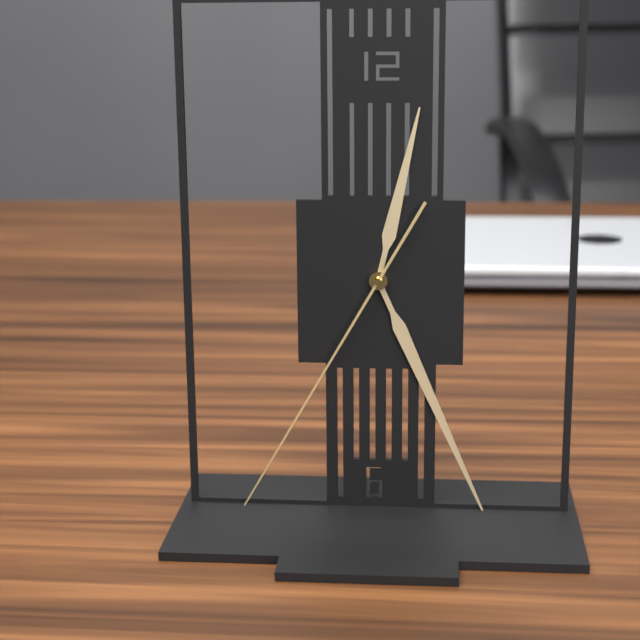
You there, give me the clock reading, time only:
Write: 12:26:35
